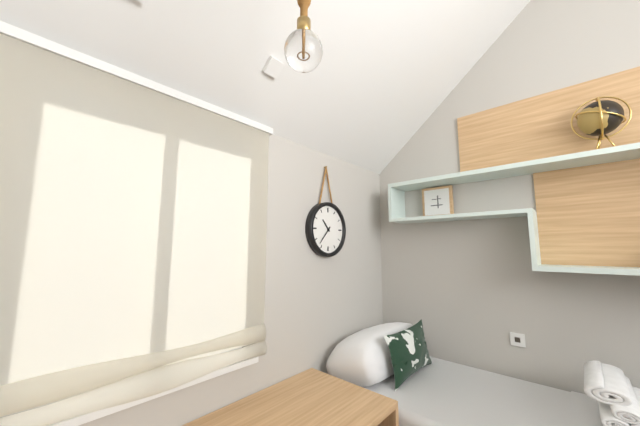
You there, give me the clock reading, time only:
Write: 10:37
